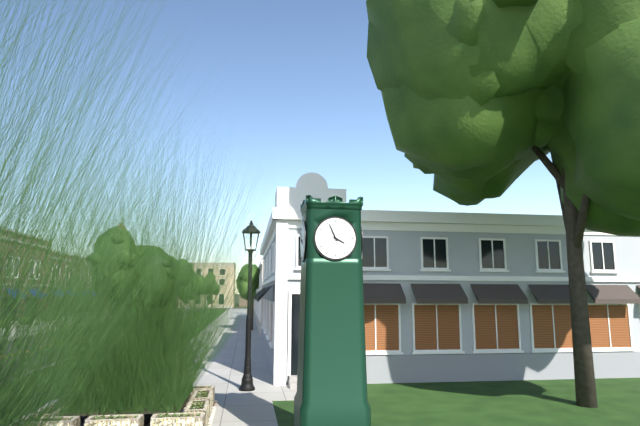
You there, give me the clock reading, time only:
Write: 3:56
